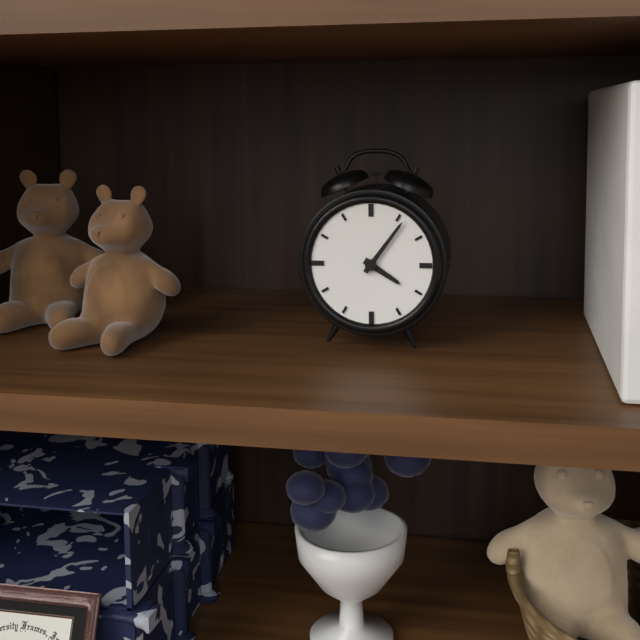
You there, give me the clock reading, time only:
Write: 4:06
